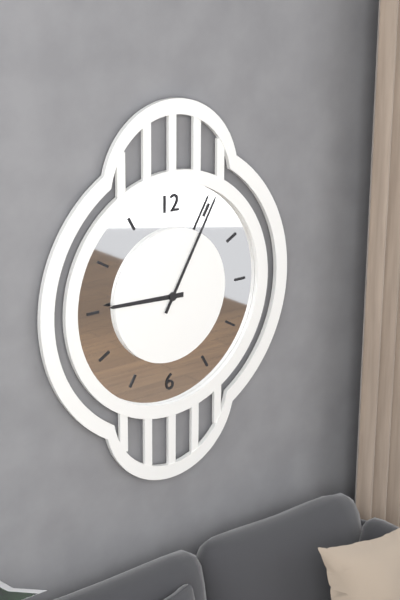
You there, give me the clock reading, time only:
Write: 9:05
